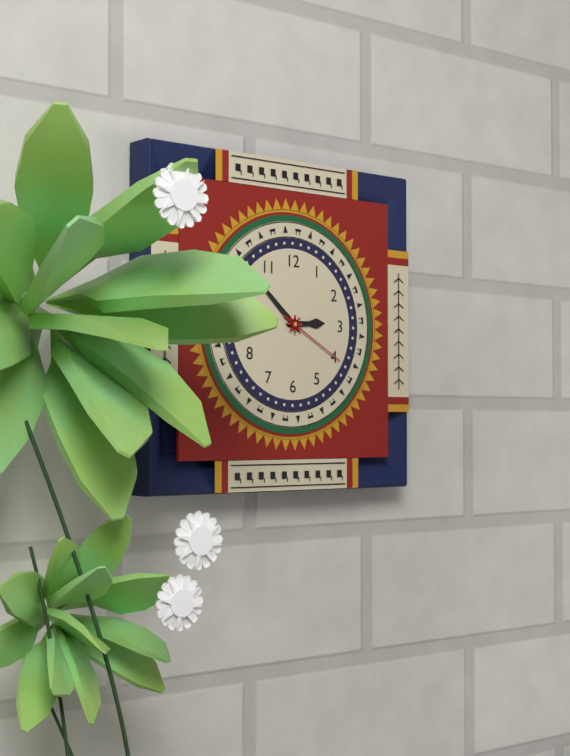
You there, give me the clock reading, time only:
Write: 2:52:20
